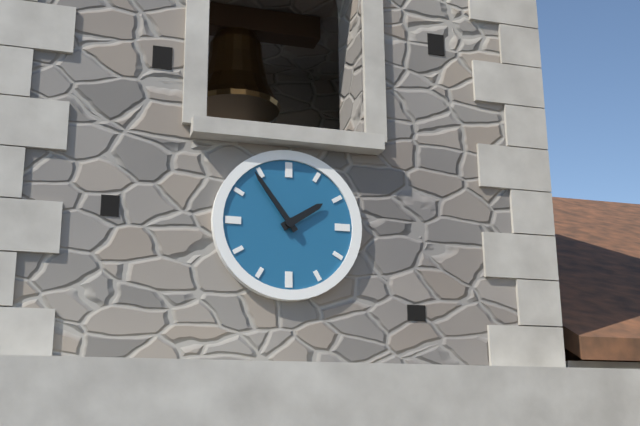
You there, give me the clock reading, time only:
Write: 1:54
